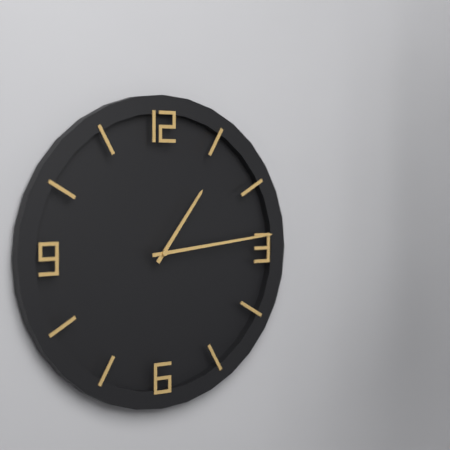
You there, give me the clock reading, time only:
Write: 1:14
